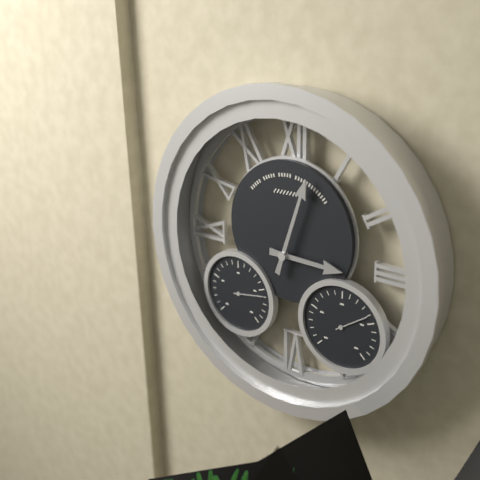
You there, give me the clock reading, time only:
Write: 3:03
